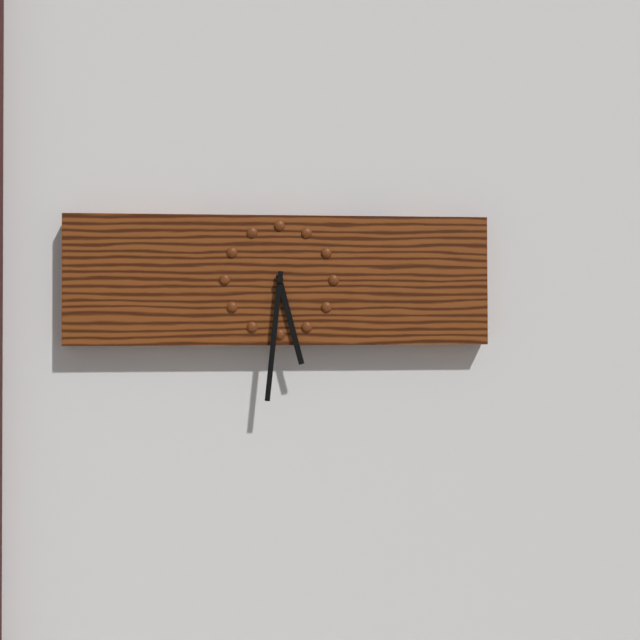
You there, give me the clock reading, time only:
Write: 5:31
